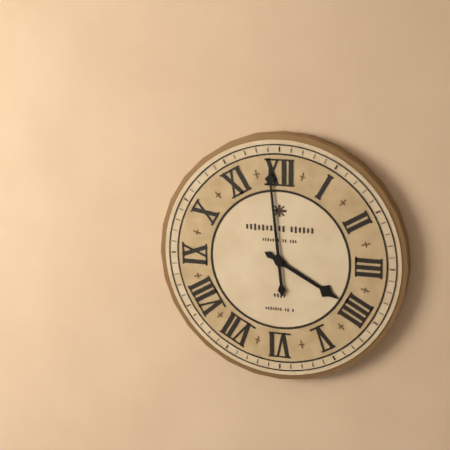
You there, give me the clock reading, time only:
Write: 3:59
